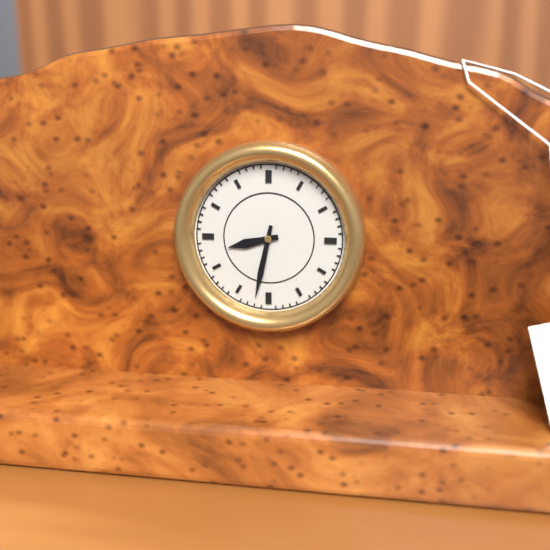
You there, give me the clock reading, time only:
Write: 8:32
